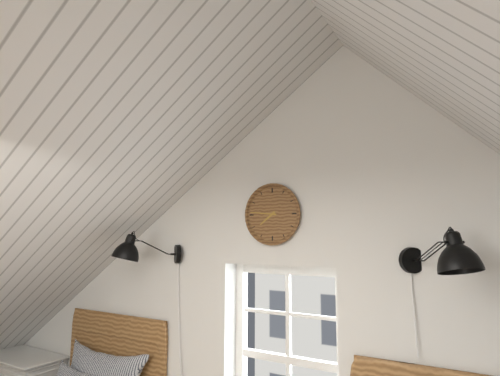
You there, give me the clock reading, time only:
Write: 7:46
